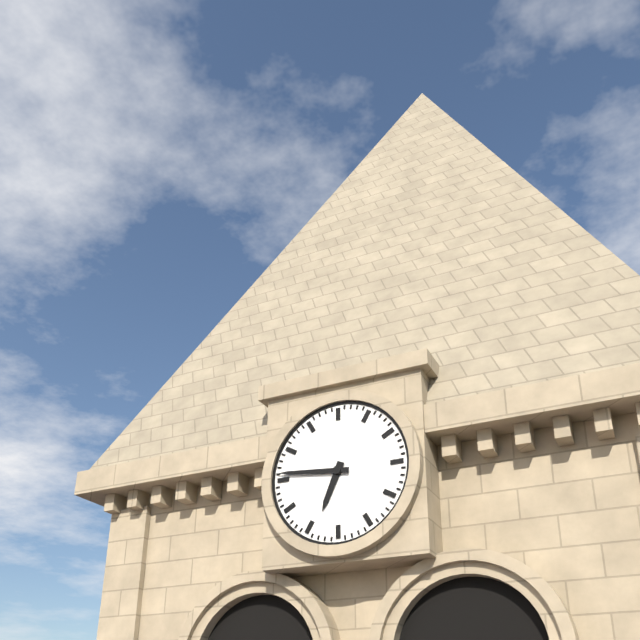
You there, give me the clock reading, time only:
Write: 6:46
